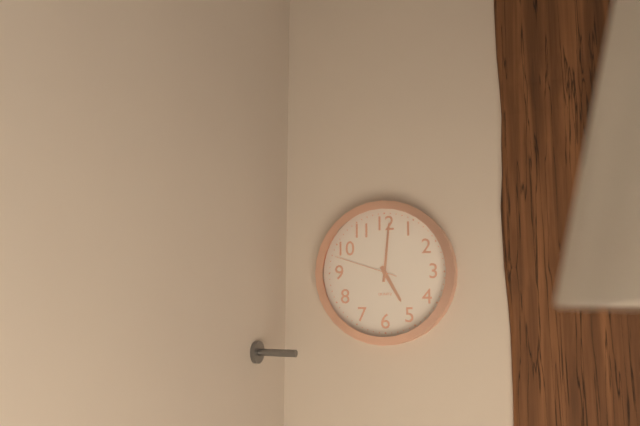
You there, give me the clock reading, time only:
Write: 5:01:48
